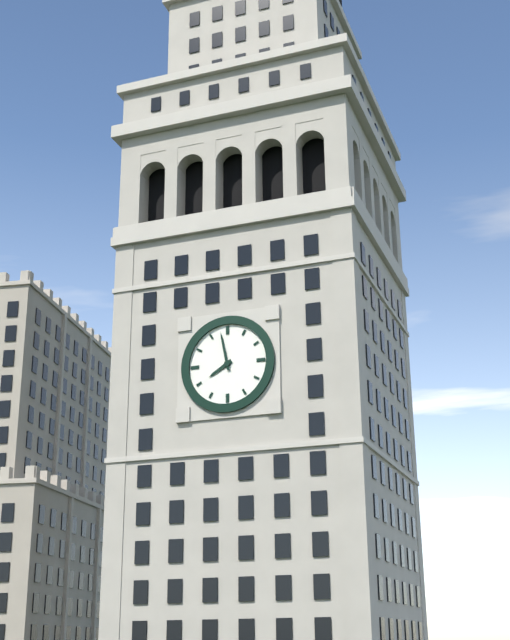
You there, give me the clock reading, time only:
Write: 7:58
